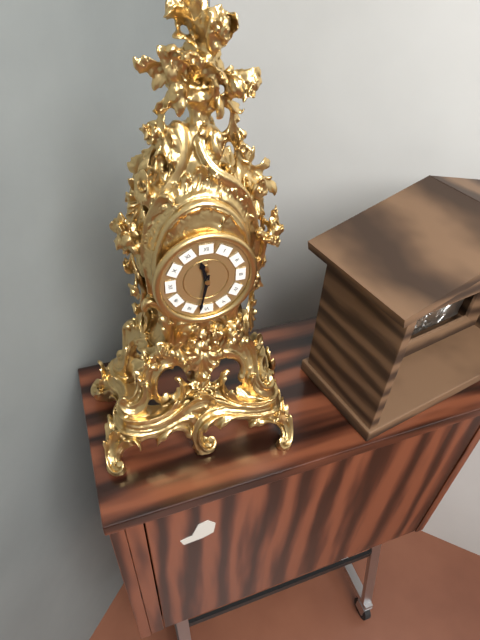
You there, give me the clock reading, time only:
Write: 11:32
